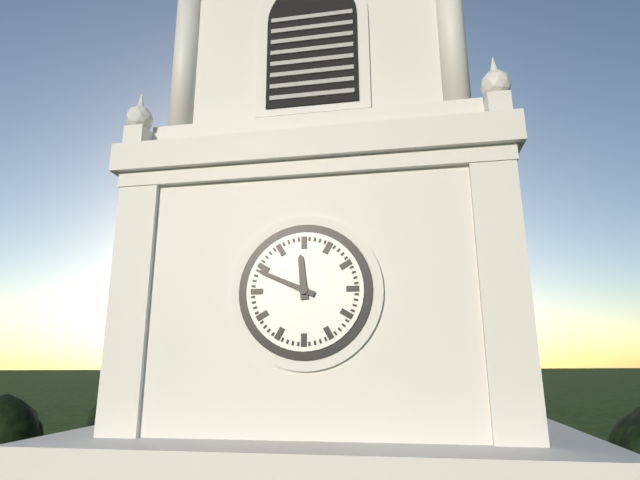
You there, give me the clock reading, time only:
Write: 11:49
